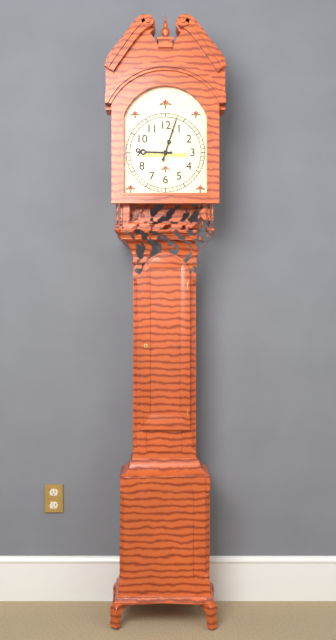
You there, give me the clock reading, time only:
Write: 9:03
